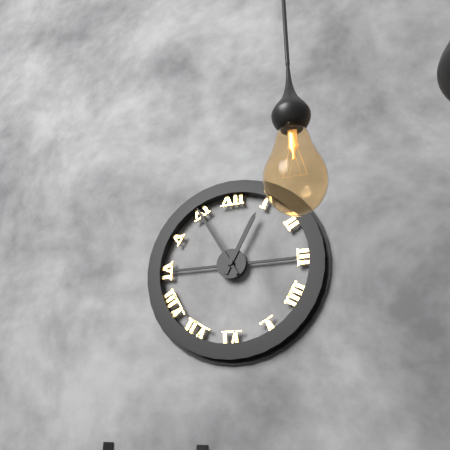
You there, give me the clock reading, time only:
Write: 12:55
